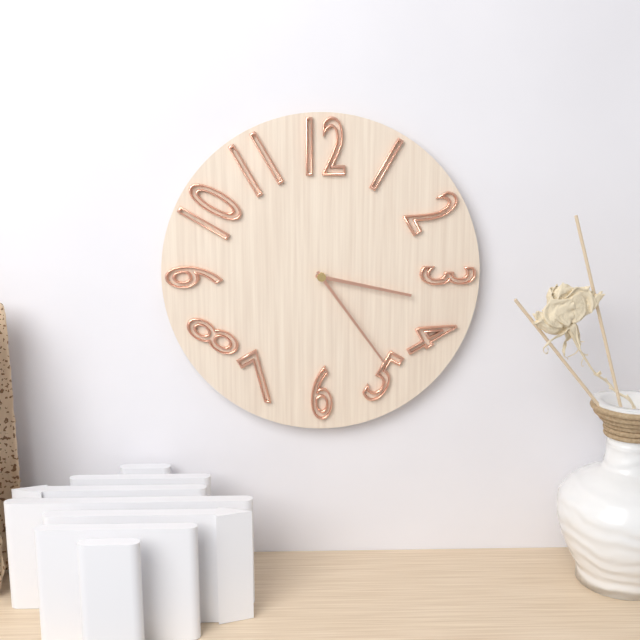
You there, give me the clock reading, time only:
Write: 3:24
